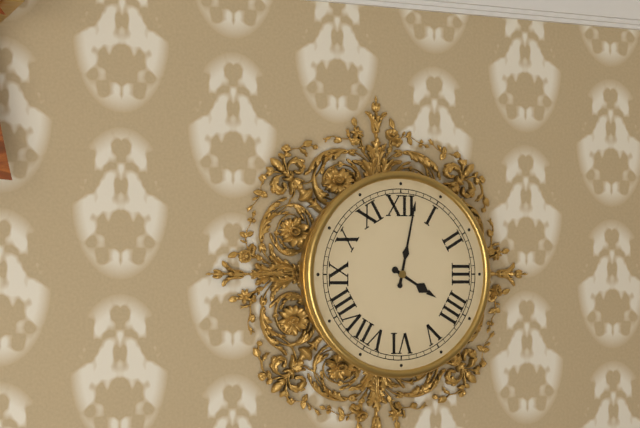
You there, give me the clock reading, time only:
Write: 4:02
